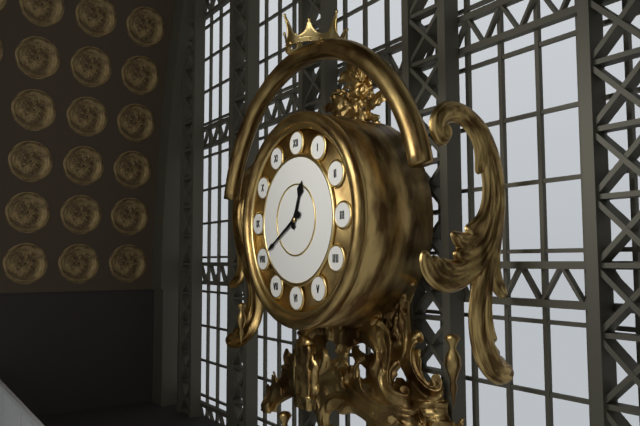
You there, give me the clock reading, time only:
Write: 12:40
